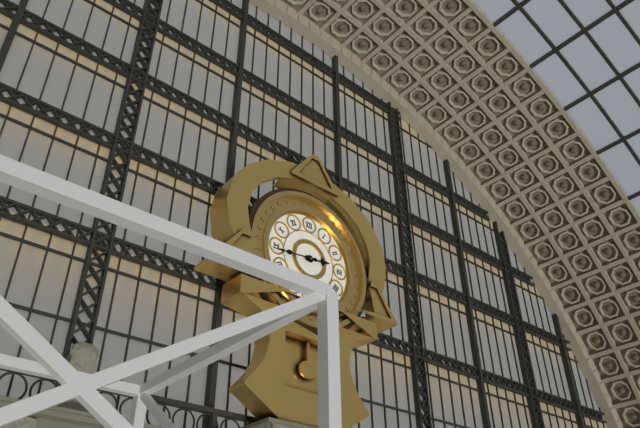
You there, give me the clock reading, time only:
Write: 2:44
